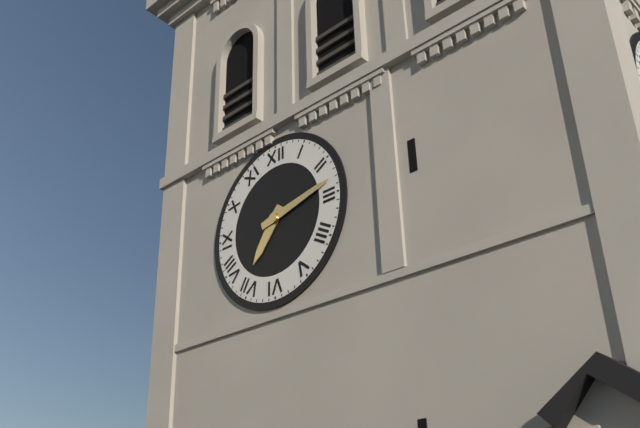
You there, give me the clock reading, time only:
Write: 7:13
